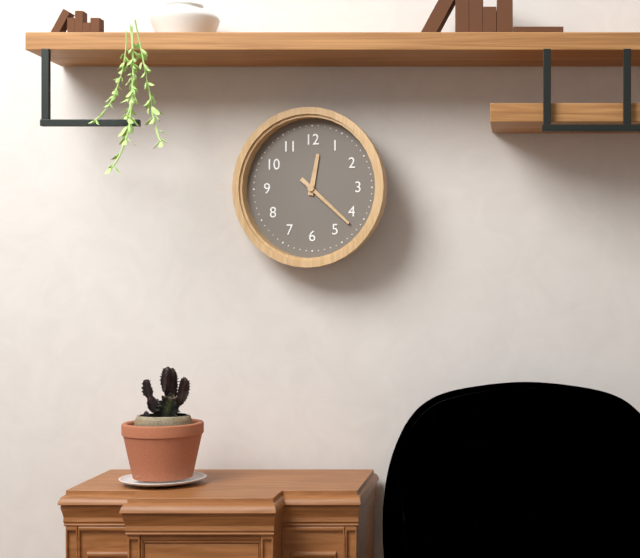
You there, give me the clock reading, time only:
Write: 12:22
